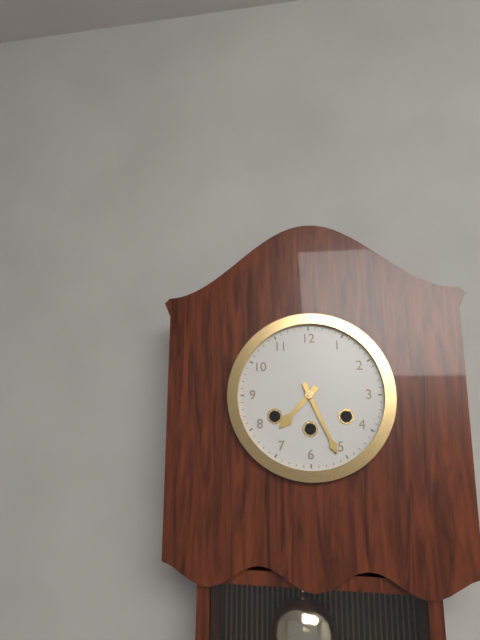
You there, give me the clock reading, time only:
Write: 7:26
